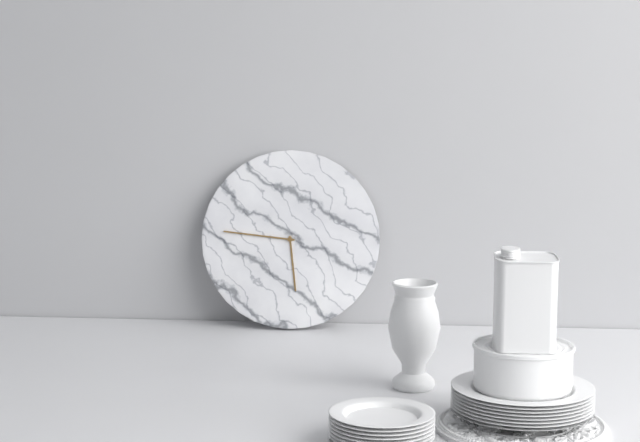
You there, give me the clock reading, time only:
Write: 5:46
